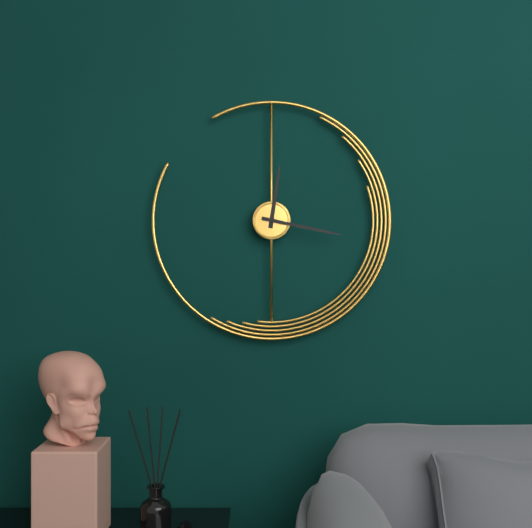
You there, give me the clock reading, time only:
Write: 12:17
